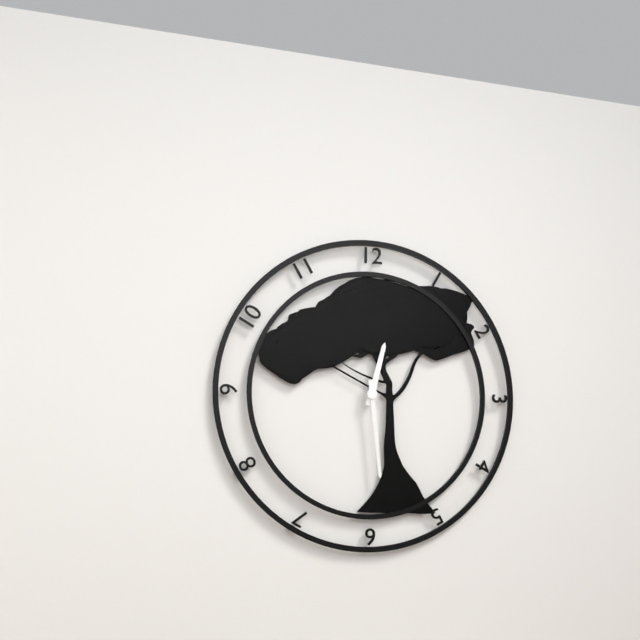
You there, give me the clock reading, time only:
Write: 12:29
